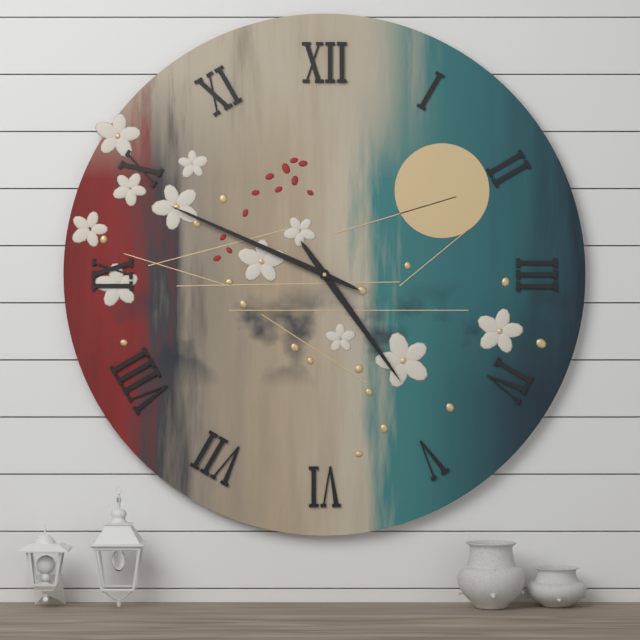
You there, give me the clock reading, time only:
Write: 4:49
